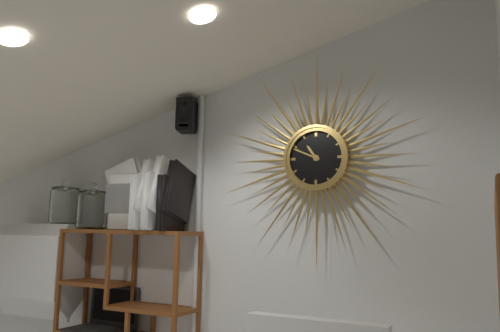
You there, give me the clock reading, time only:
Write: 10:49
